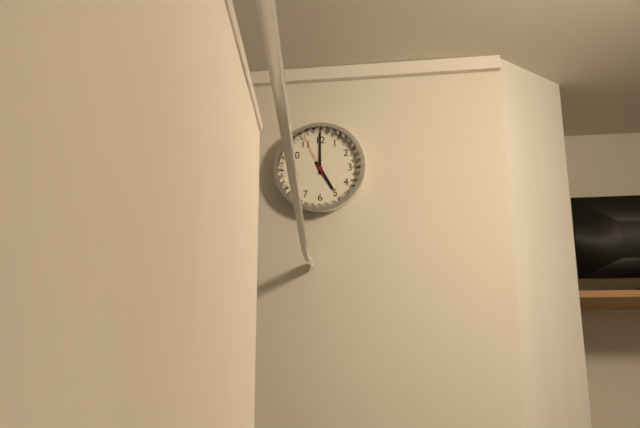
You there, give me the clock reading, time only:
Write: 5:00
